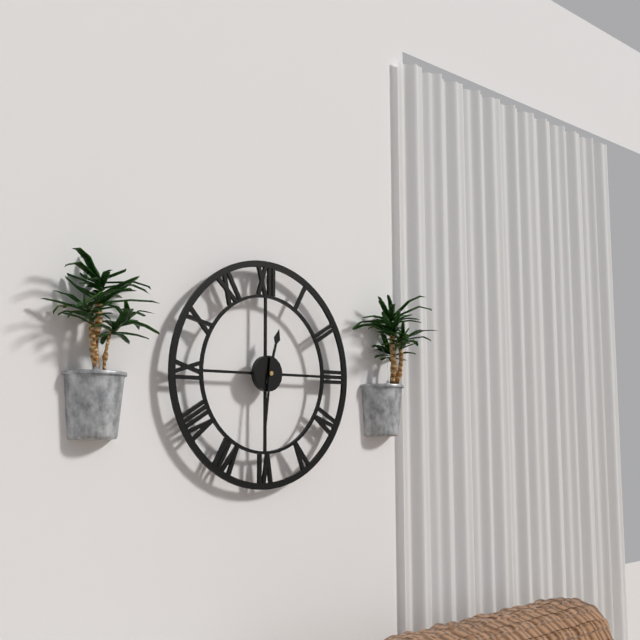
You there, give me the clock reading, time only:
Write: 12:31
